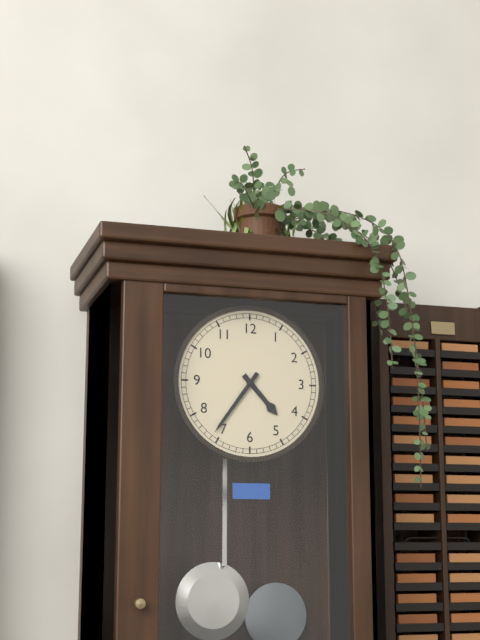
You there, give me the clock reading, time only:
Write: 4:36
